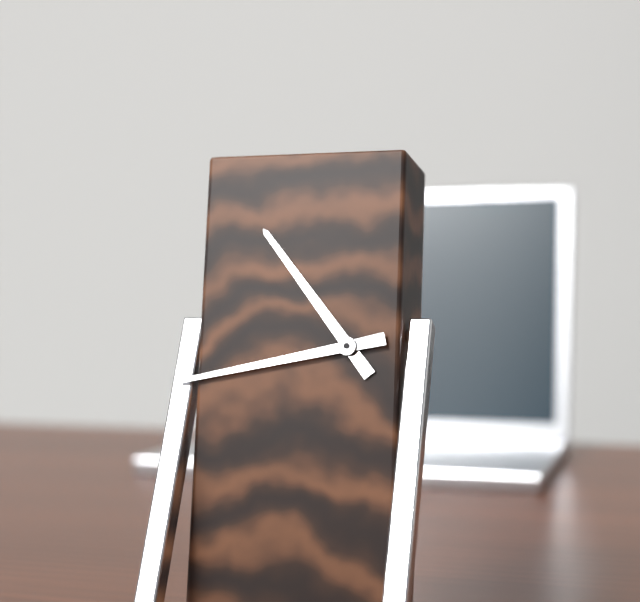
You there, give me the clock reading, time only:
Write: 10:43
